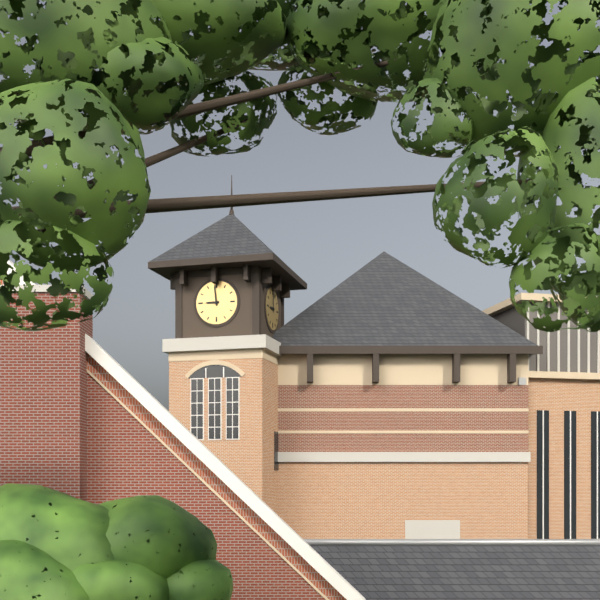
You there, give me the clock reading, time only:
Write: 8:59
